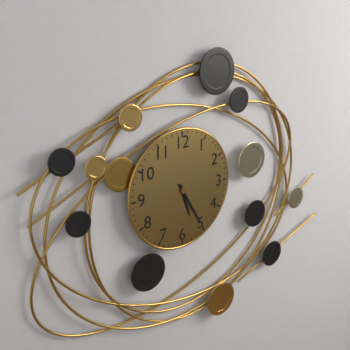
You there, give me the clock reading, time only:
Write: 5:25
